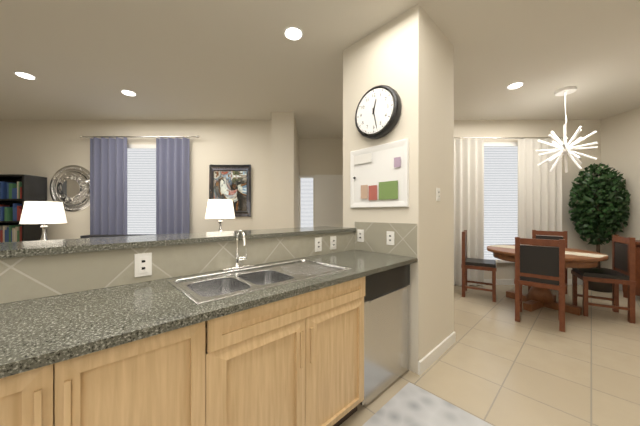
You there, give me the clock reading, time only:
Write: 12:28
